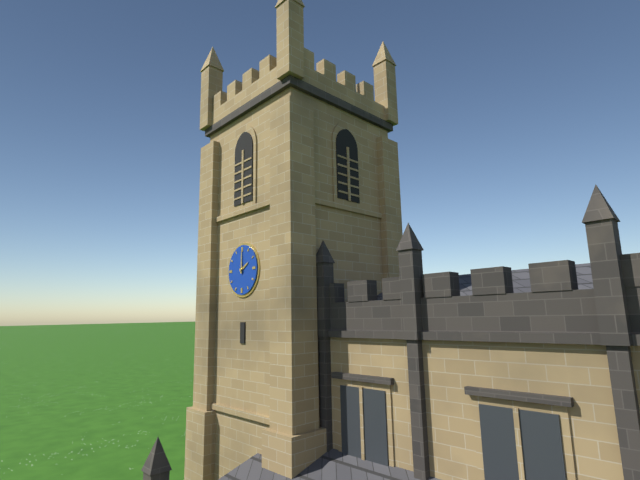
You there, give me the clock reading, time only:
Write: 2:00
